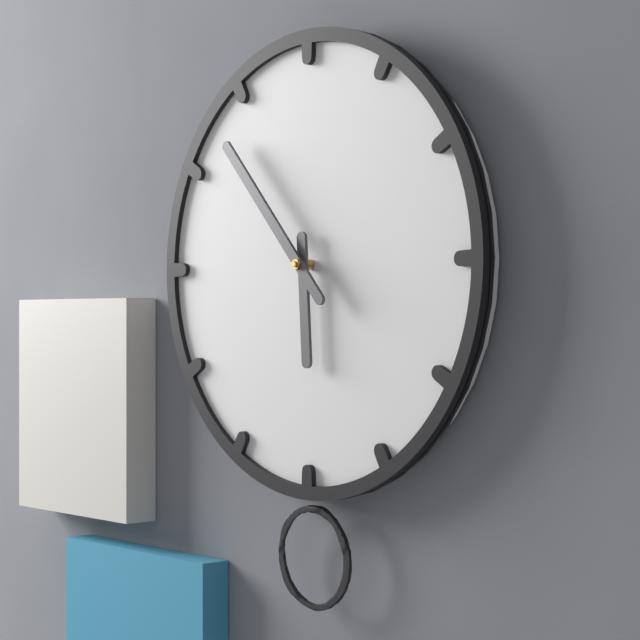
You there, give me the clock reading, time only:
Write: 5:53
